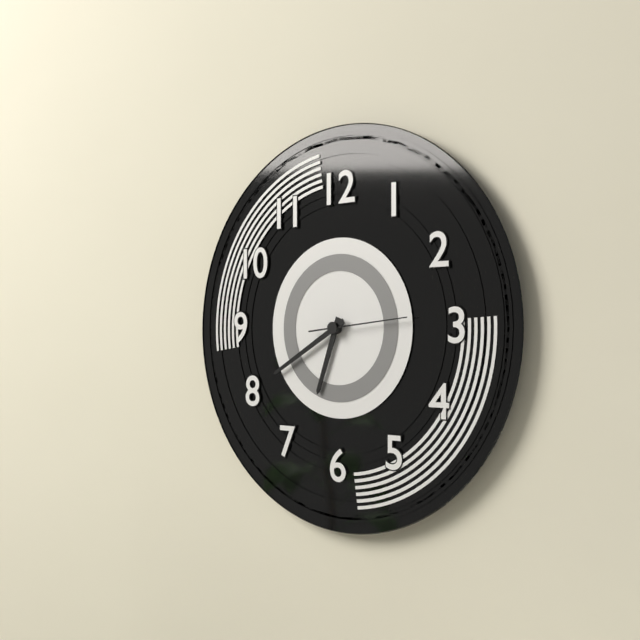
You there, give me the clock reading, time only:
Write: 6:40:14
